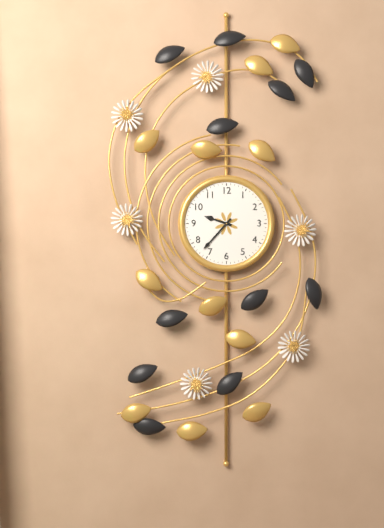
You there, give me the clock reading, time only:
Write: 9:37
